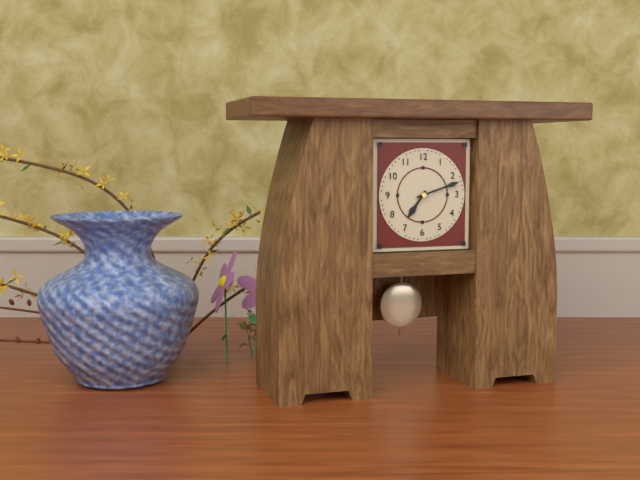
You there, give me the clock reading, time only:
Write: 7:12
